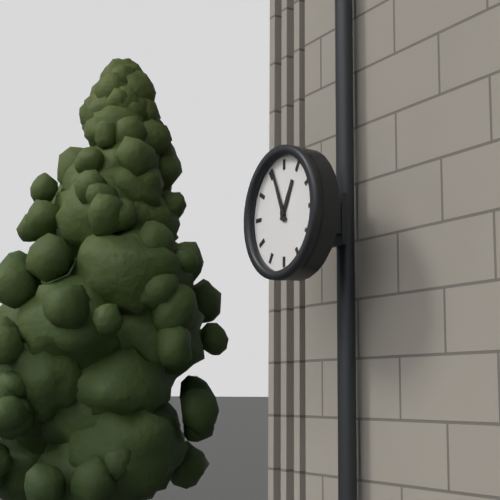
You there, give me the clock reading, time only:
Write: 12:56
